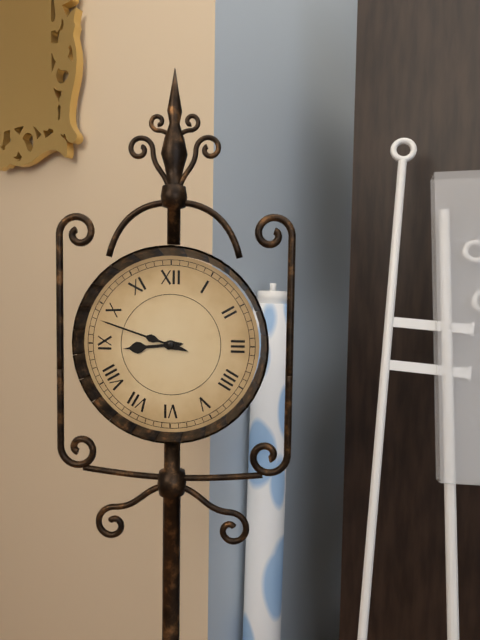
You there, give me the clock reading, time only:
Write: 8:48
